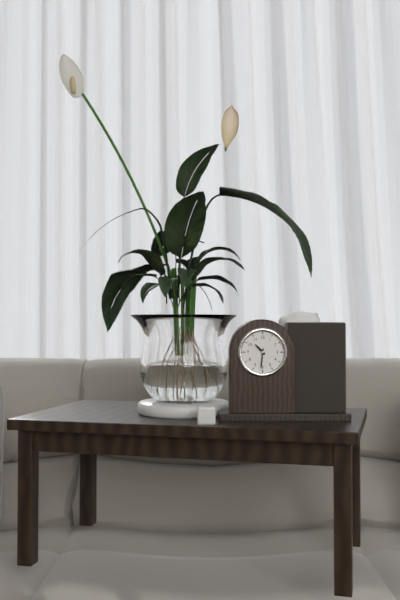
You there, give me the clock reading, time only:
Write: 10:31
